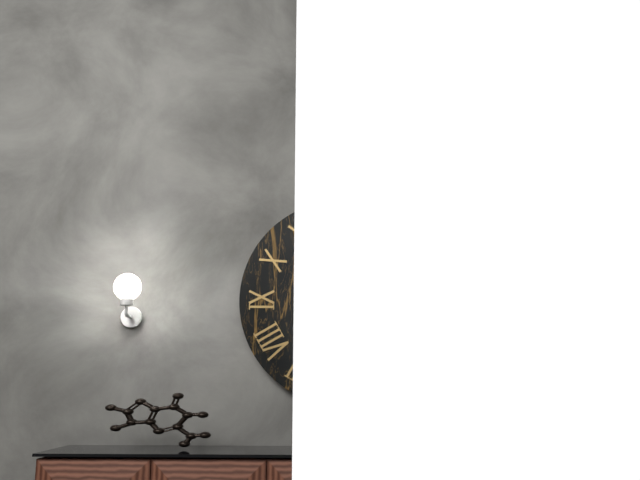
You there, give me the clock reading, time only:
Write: 2:20
